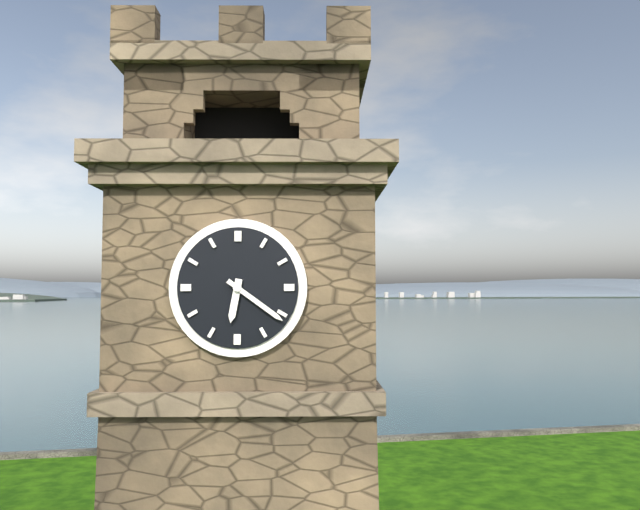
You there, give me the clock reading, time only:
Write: 6:21
